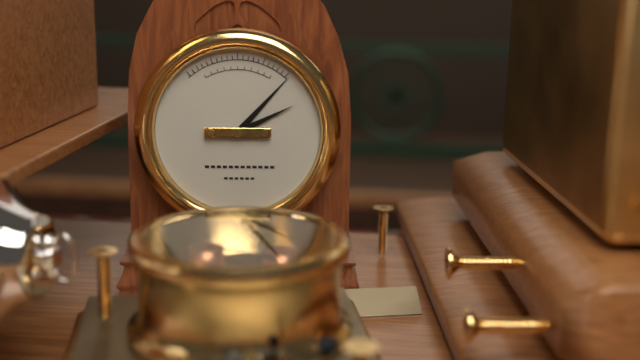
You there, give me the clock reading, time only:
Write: 2:07
